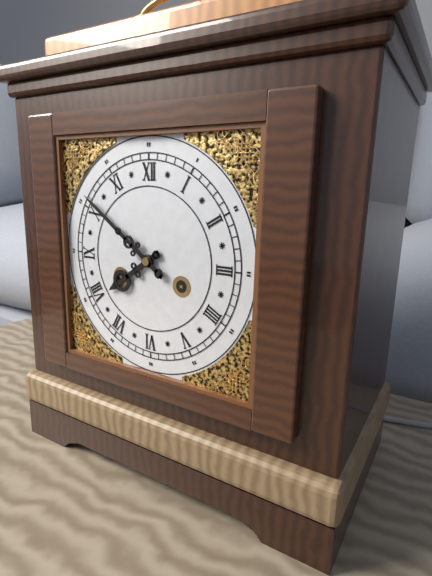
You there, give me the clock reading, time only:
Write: 7:51
